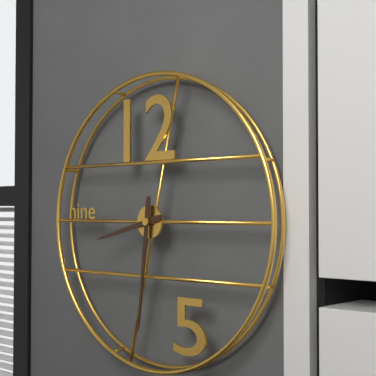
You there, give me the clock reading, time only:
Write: 8:31
